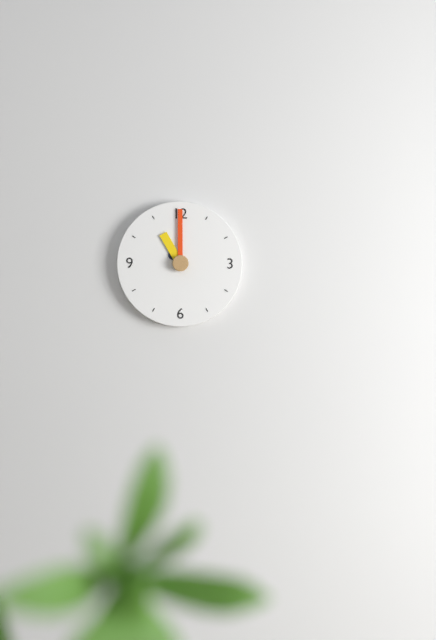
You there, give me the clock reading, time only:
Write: 11:00
